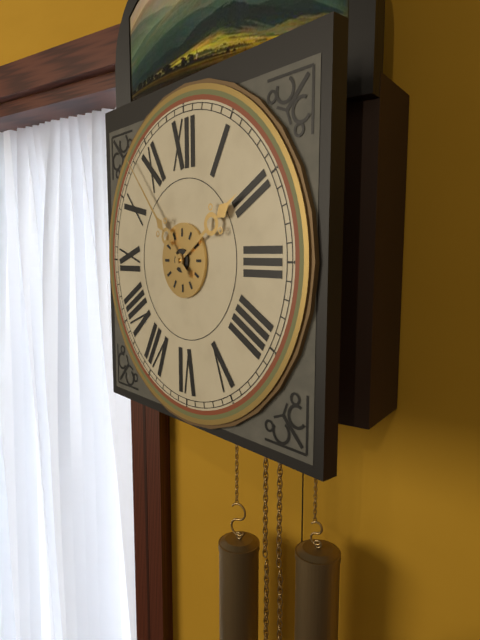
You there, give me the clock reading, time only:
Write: 1:53
